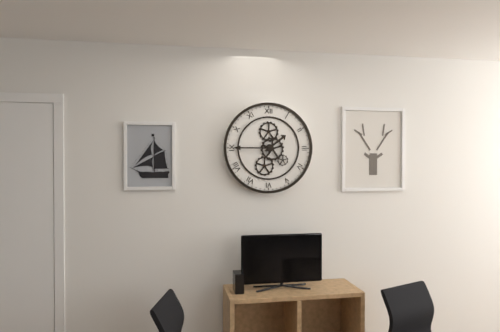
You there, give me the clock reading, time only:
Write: 1:45
